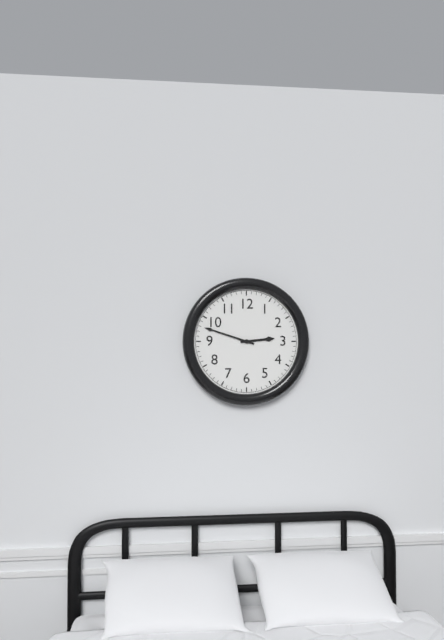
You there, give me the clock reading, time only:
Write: 2:48
